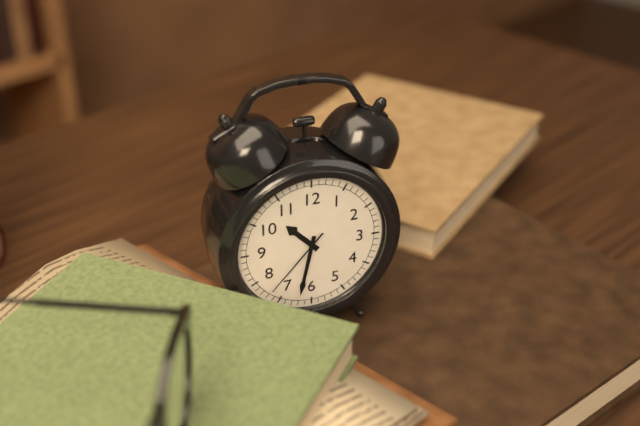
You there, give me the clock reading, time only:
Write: 10:32:37
